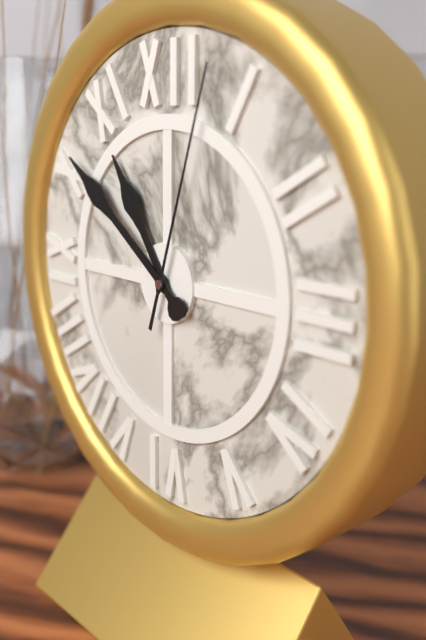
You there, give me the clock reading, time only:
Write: 10:51:03
